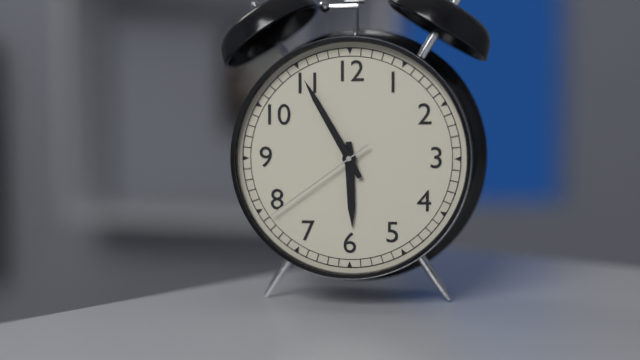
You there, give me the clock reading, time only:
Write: 5:55:39
